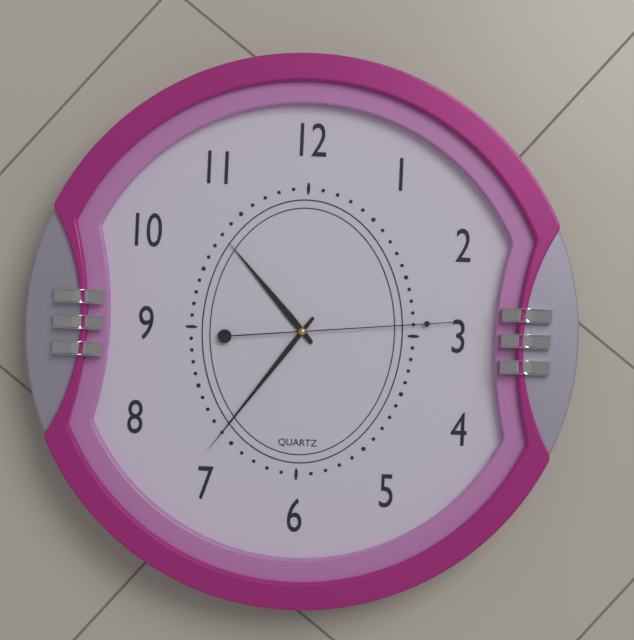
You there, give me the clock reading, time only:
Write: 10:36:14
